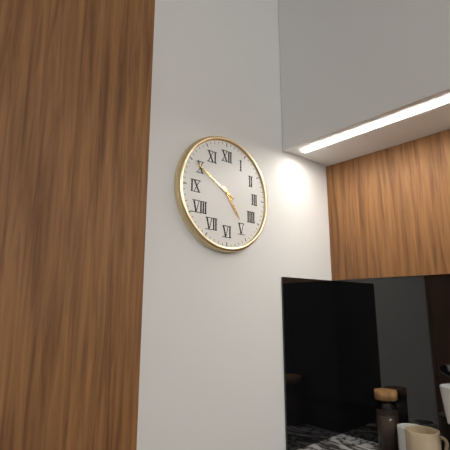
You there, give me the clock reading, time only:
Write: 4:50
